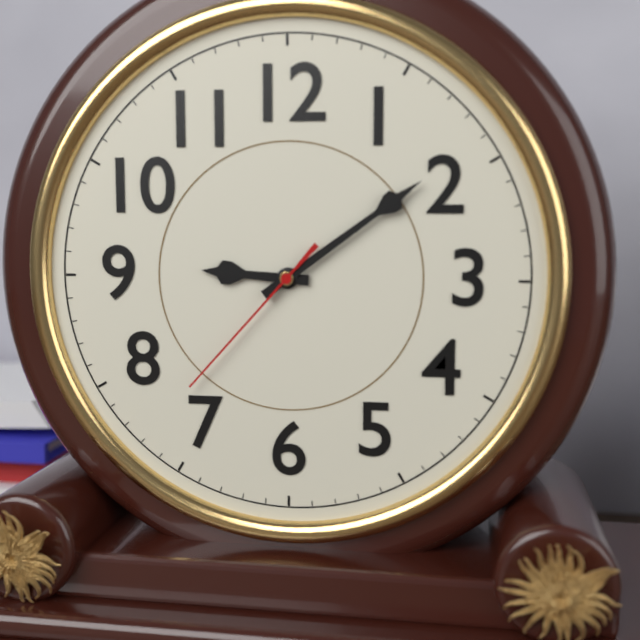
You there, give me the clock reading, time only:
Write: 9:09:37
